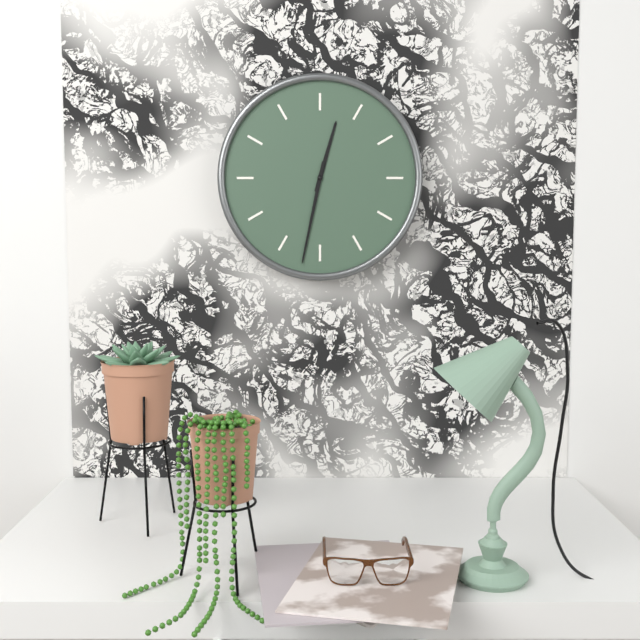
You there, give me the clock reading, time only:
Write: 12:32
